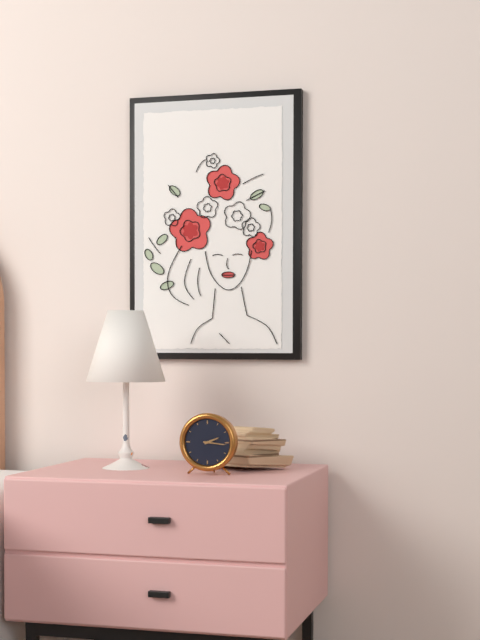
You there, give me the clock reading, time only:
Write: 2:16
